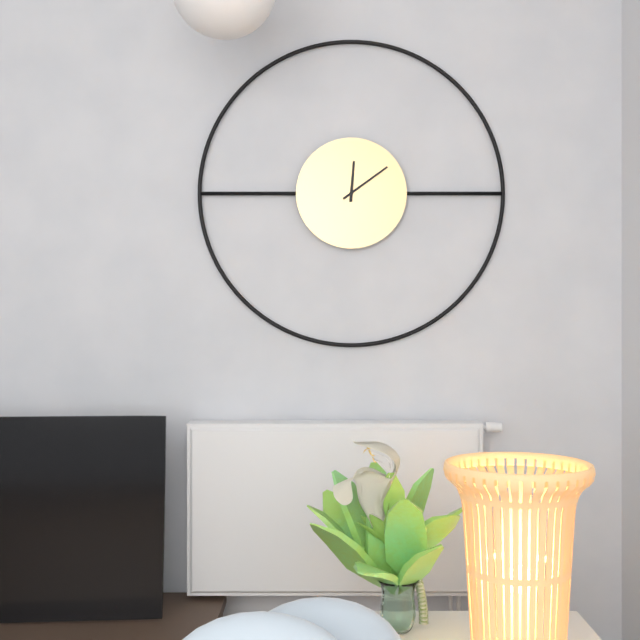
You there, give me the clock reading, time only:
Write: 12:09
